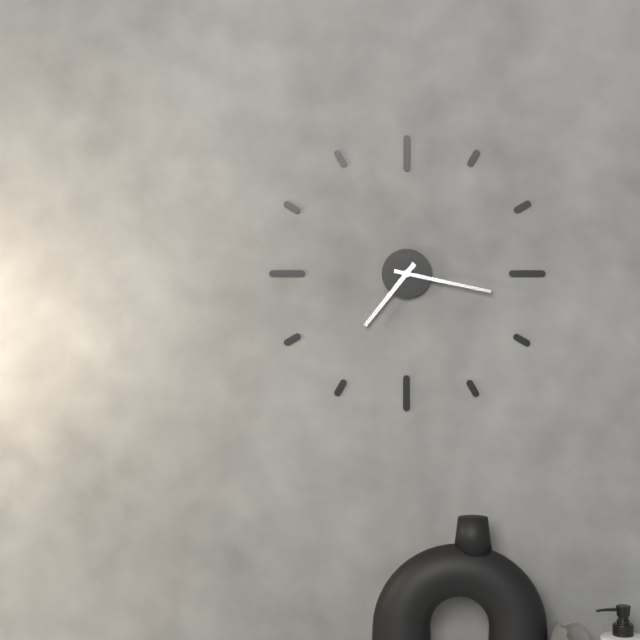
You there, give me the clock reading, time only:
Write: 7:17
